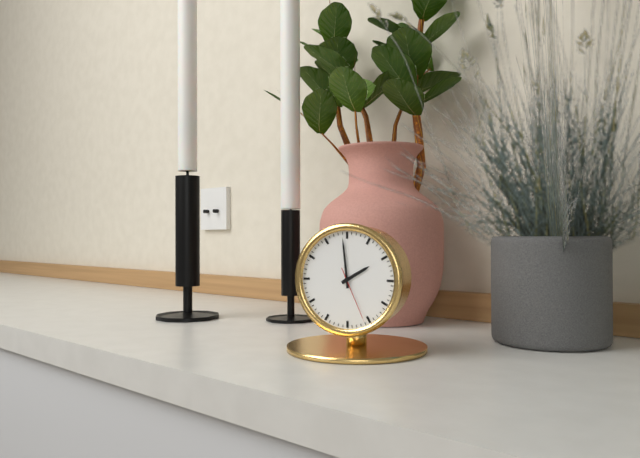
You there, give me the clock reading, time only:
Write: 1:59:26
